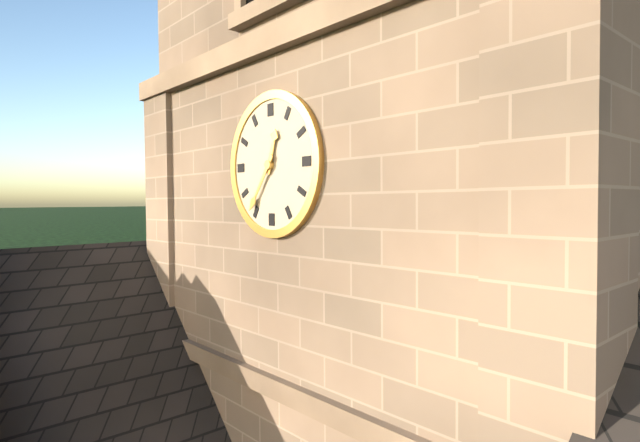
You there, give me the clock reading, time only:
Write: 12:36
